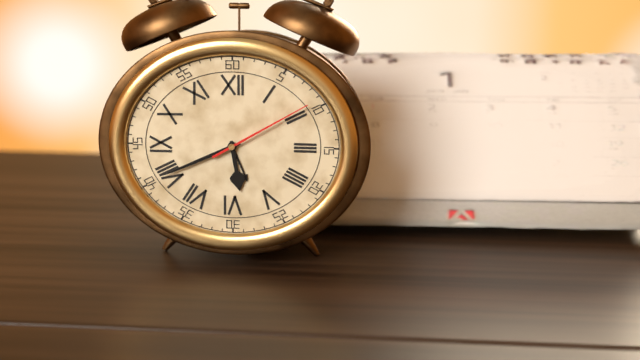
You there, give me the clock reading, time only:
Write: 5:41:10
